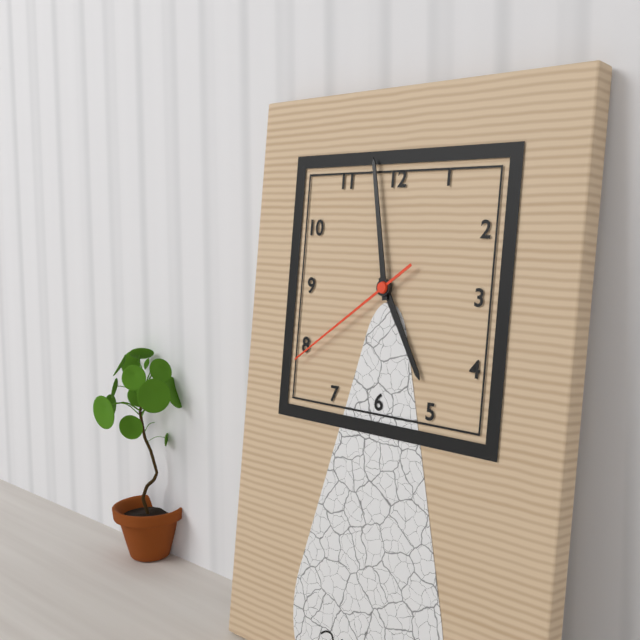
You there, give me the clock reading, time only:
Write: 4:58:39
